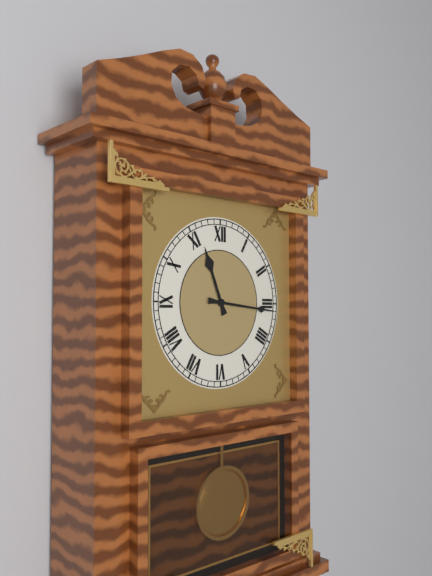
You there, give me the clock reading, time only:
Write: 11:16
